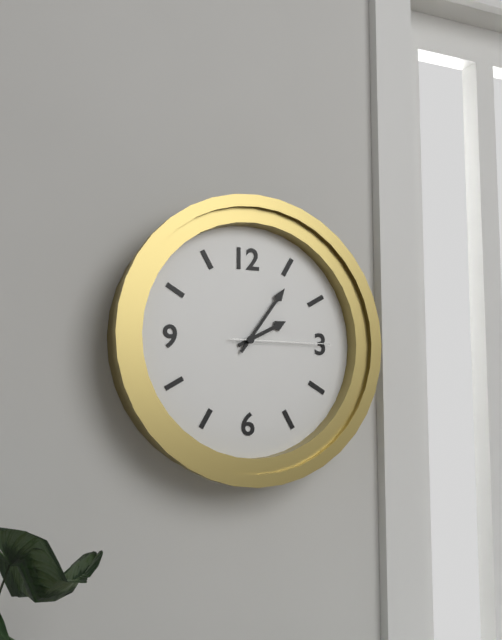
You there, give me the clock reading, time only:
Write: 2:06:15
